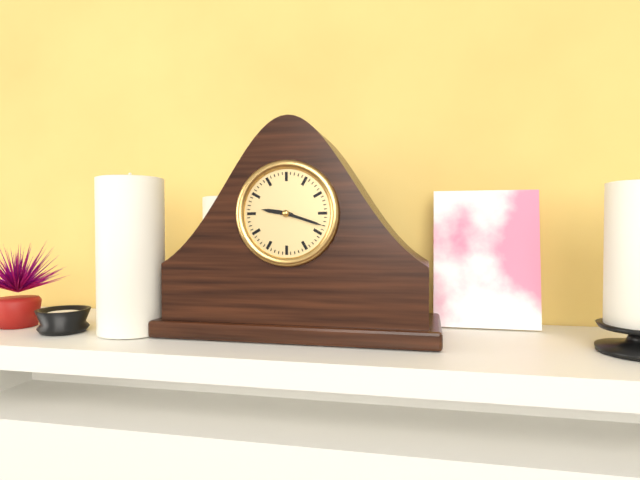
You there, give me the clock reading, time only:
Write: 9:18
